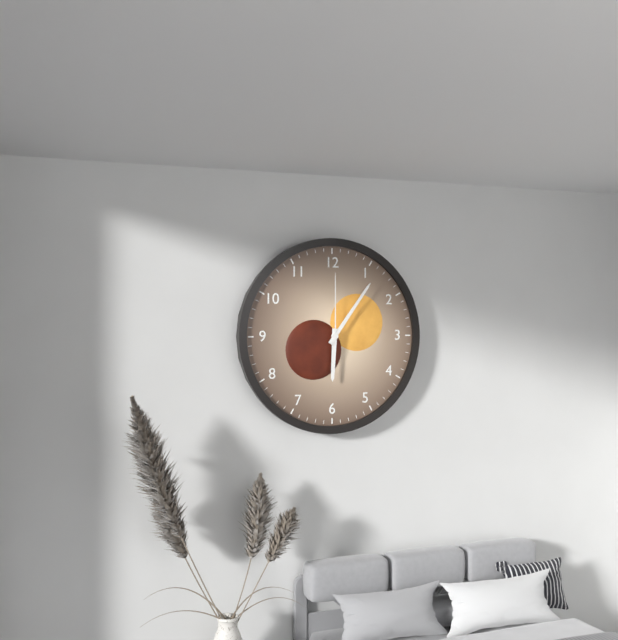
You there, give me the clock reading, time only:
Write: 6:06:00
